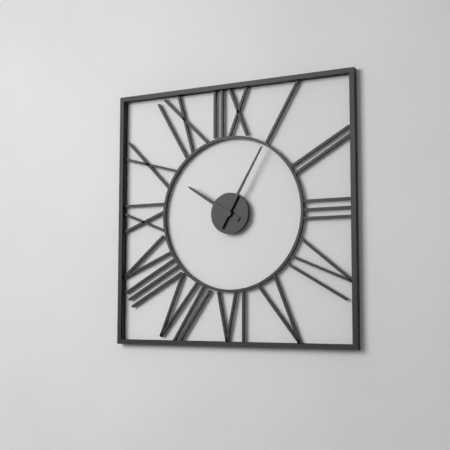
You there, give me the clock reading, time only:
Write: 10:05
